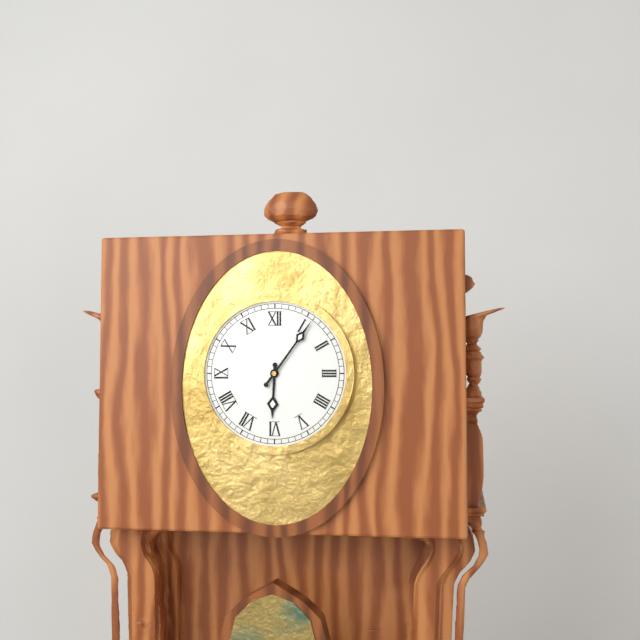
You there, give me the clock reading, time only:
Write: 6:06
